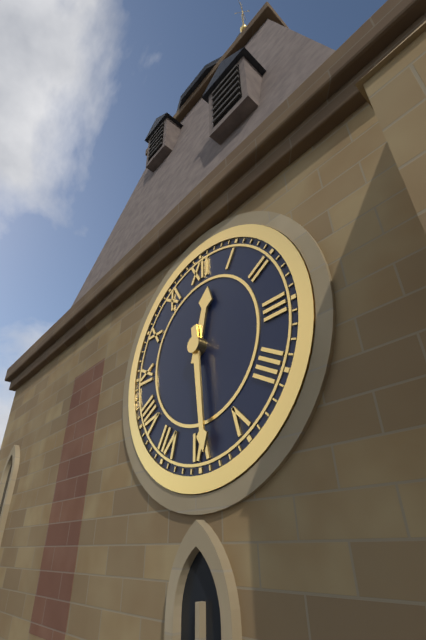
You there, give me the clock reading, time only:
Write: 12:29
